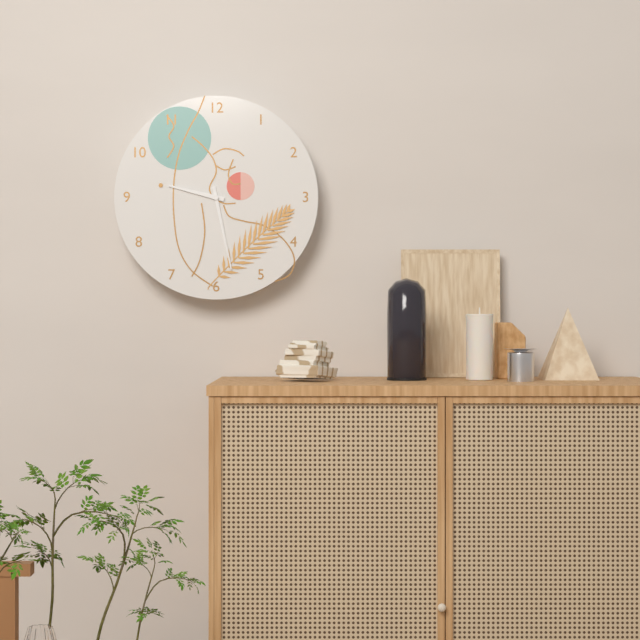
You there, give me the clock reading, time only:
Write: 9:28
